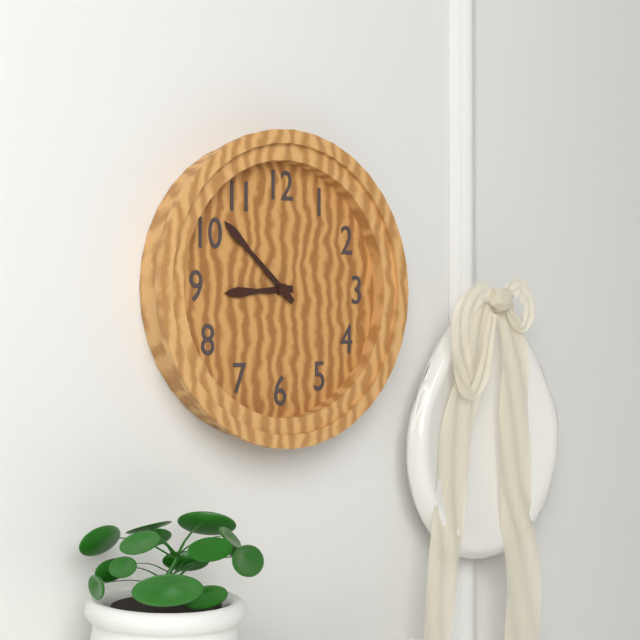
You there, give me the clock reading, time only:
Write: 8:52
